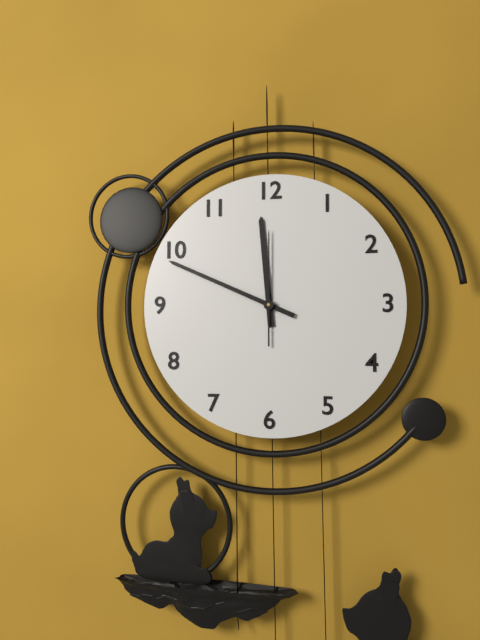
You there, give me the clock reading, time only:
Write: 11:49:00
